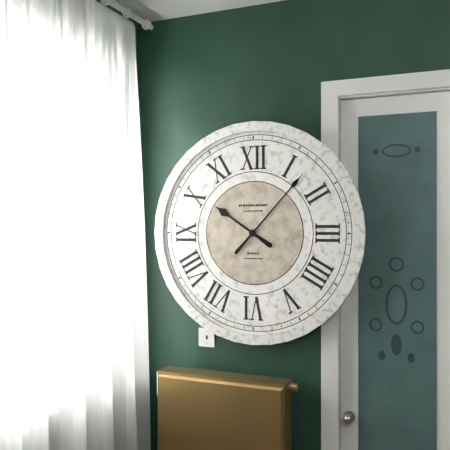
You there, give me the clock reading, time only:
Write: 10:07
